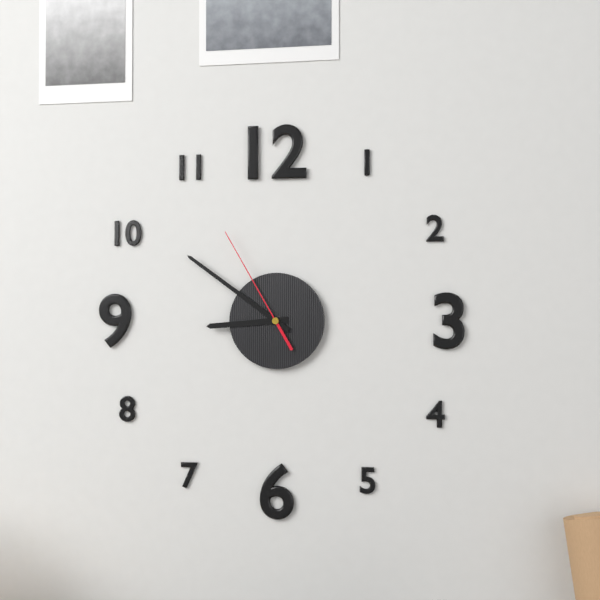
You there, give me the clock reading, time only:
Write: 8:51:55
